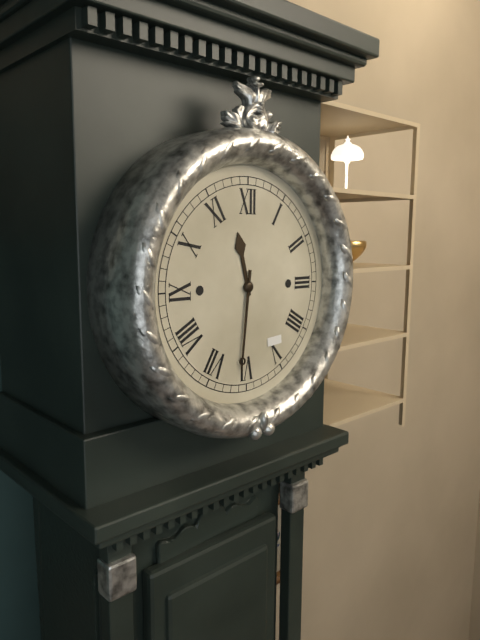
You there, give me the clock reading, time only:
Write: 11:31
